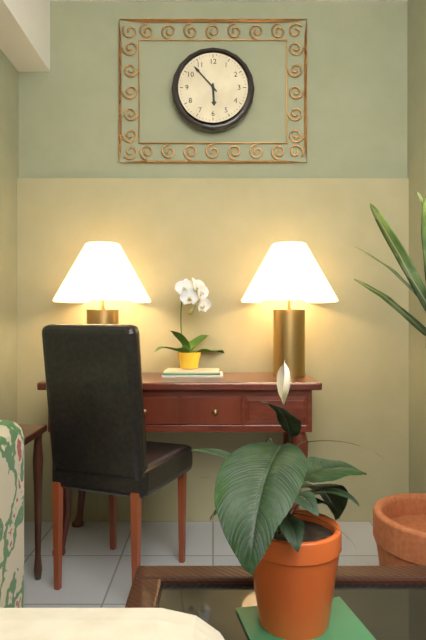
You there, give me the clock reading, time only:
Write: 5:53
